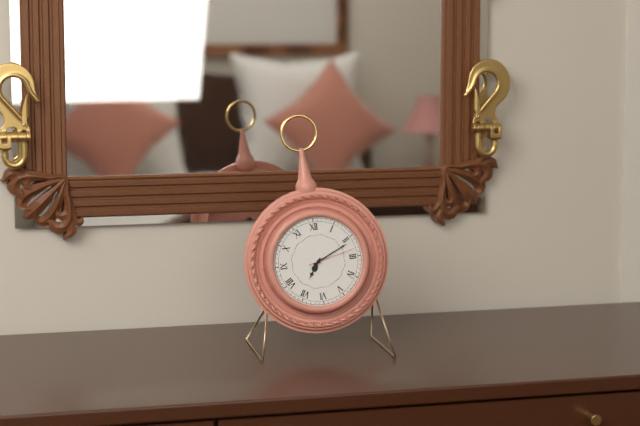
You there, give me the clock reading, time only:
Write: 7:11
